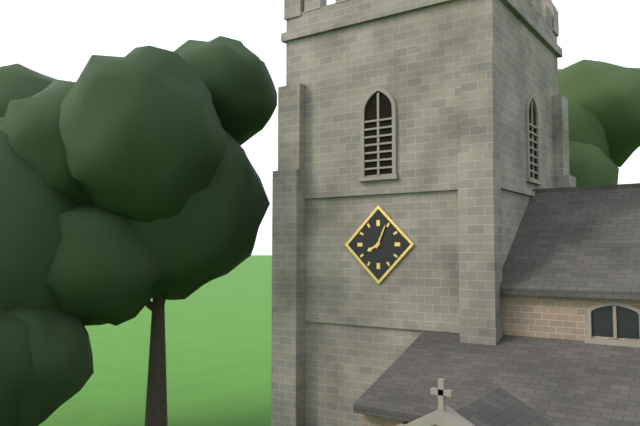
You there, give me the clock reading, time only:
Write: 8:04
